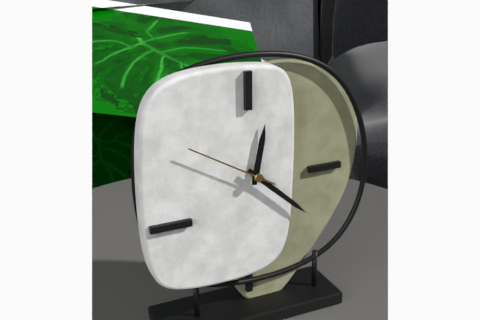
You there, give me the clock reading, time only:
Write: 12:22:50
